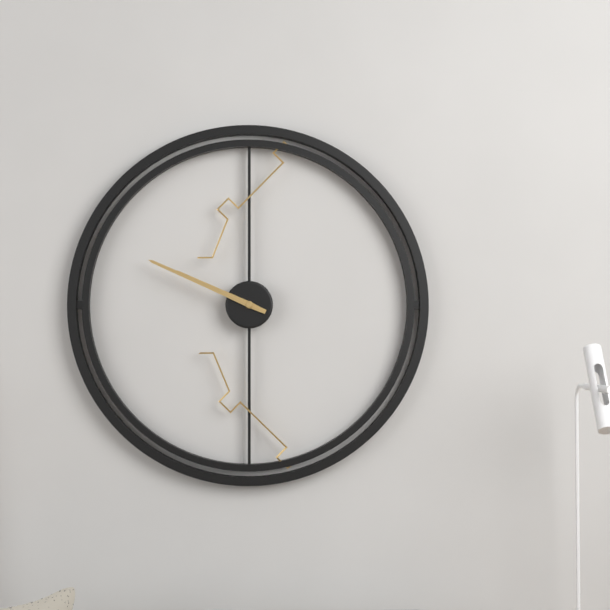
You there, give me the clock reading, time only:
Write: 9:49
